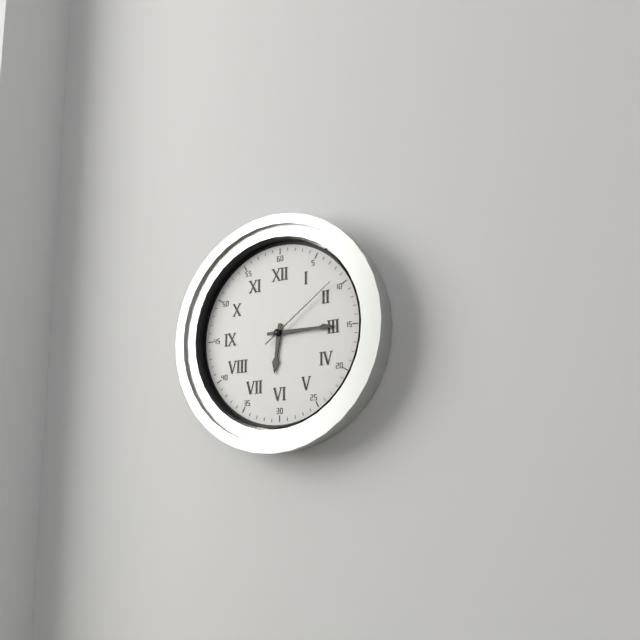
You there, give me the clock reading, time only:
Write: 6:15:09
